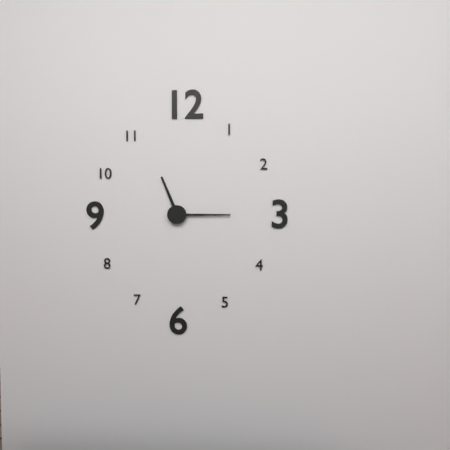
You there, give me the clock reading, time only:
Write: 11:15
